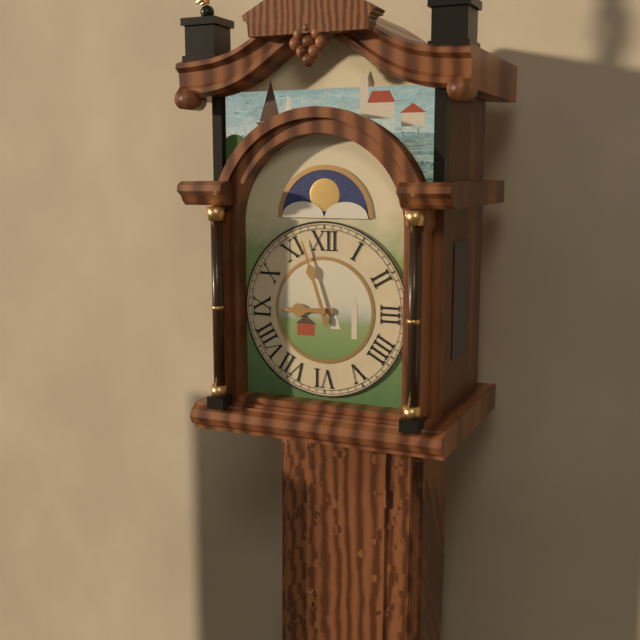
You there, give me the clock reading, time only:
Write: 8:57
